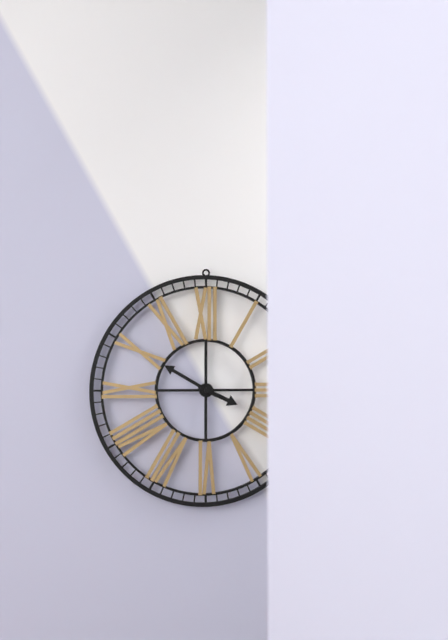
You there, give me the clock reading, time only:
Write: 3:50
